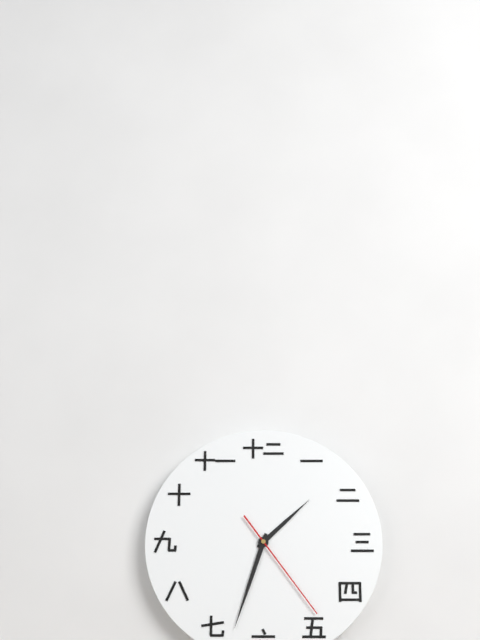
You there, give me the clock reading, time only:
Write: 1:33:24
